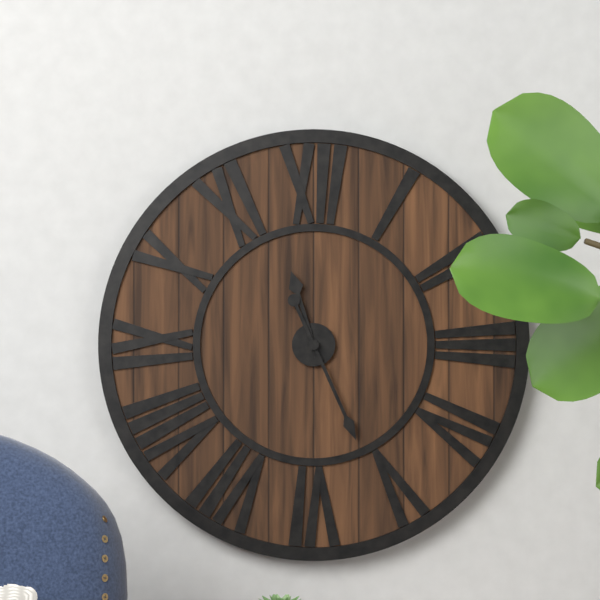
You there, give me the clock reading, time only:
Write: 11:26
